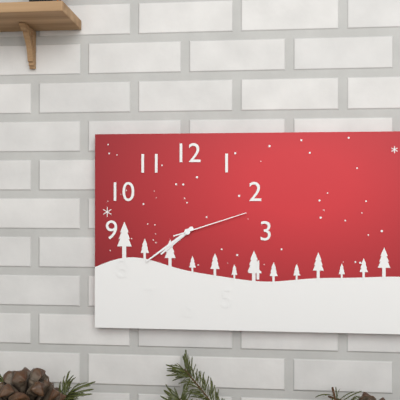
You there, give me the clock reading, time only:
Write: 7:39:12
